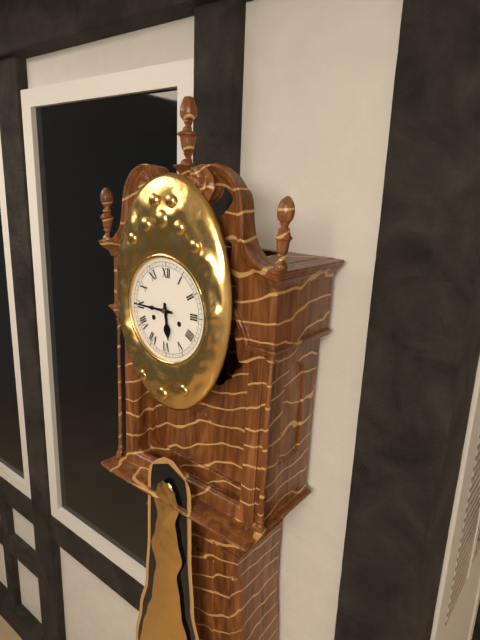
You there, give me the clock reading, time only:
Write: 5:45
